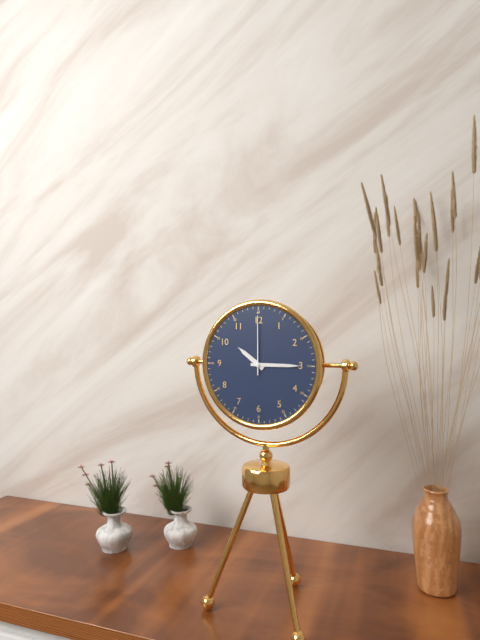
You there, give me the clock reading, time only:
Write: 10:15:00
